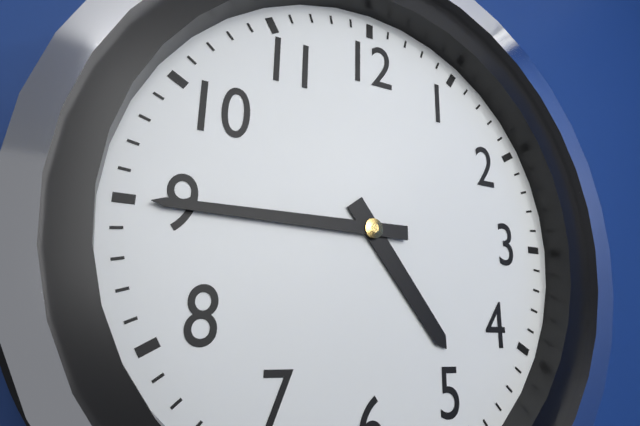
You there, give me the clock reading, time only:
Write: 4:45
